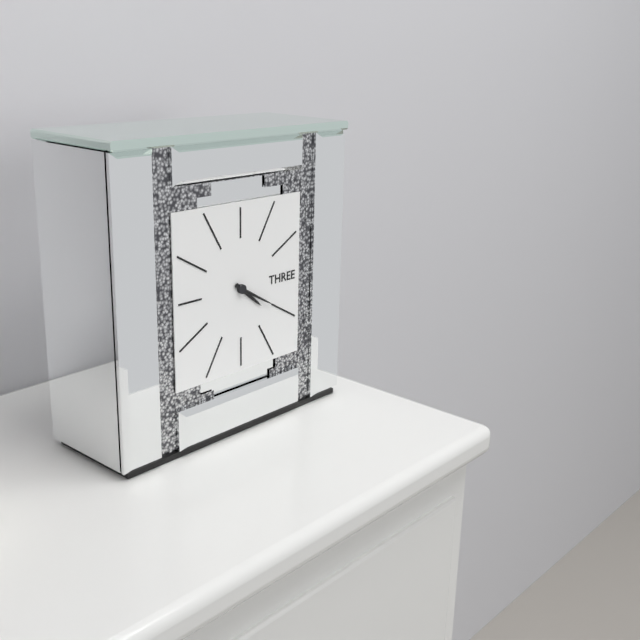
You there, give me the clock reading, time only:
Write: 4:20
